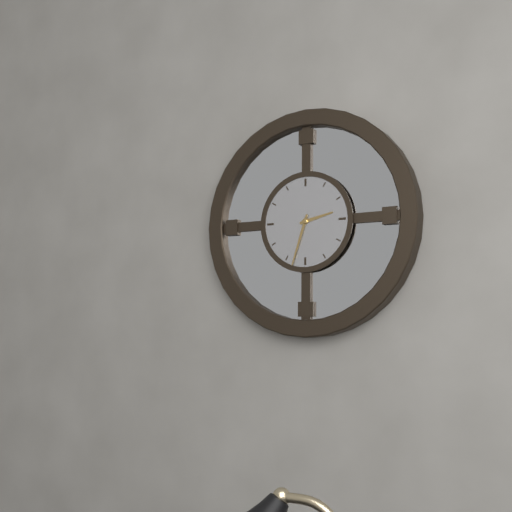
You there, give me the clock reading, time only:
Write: 2:33
